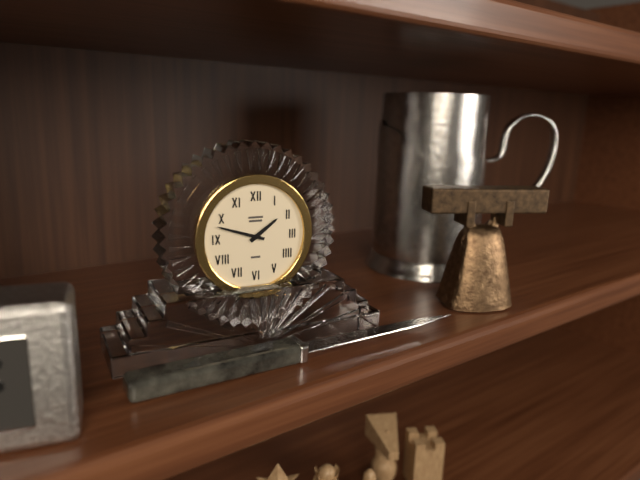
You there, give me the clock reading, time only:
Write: 1:48
